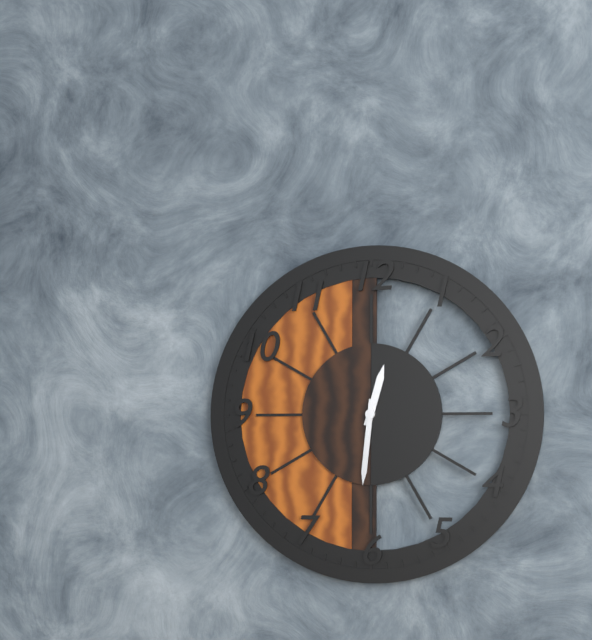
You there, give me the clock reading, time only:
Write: 12:31
